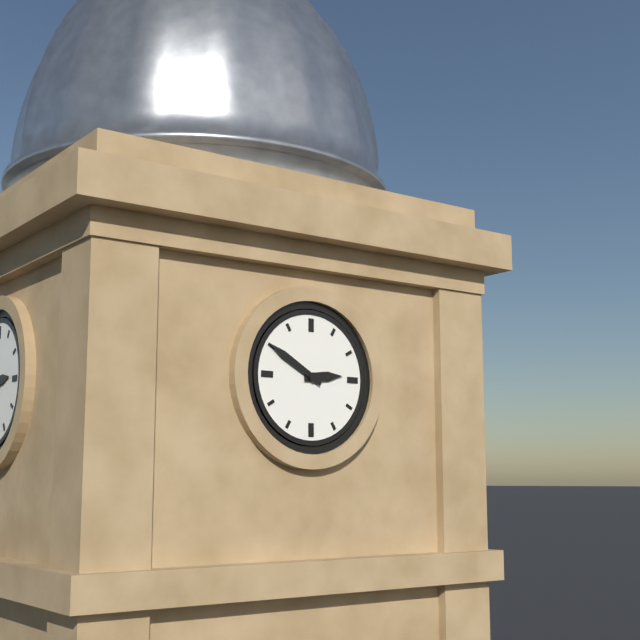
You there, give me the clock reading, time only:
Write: 2:50
